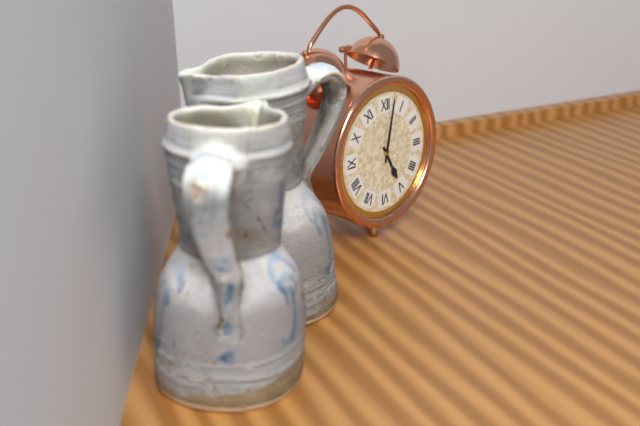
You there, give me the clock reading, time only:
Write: 5:02
